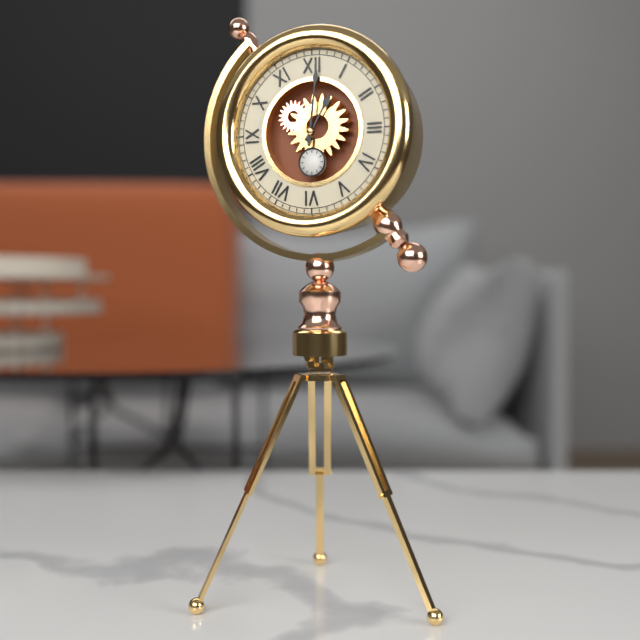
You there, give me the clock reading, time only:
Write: 1:01
